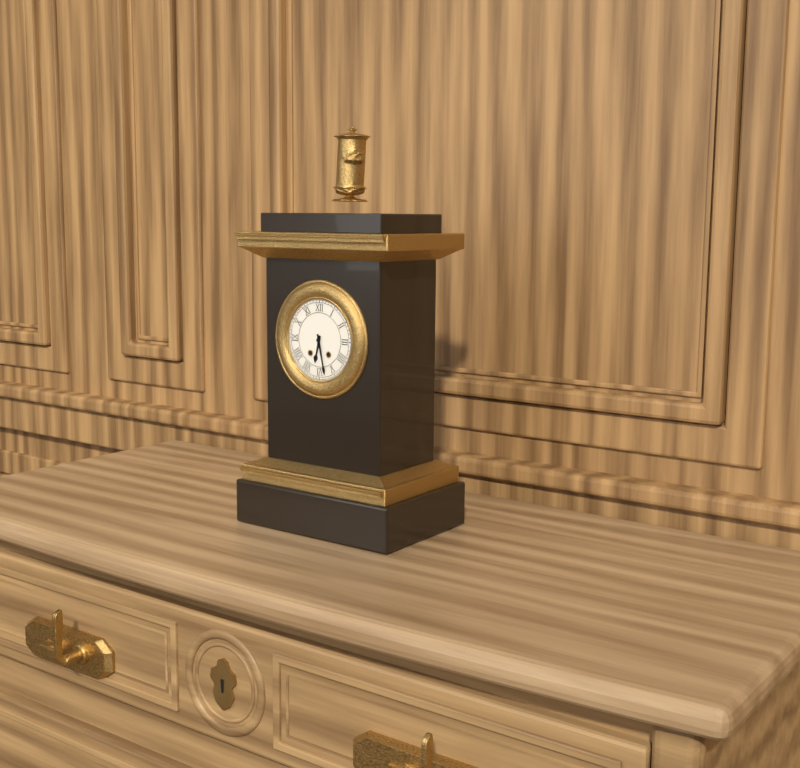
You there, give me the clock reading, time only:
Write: 6:28
